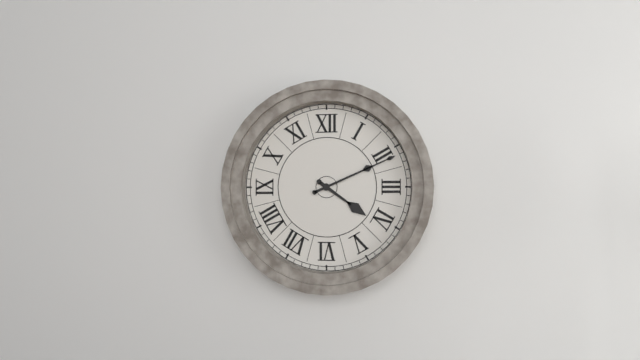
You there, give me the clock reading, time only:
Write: 4:11
